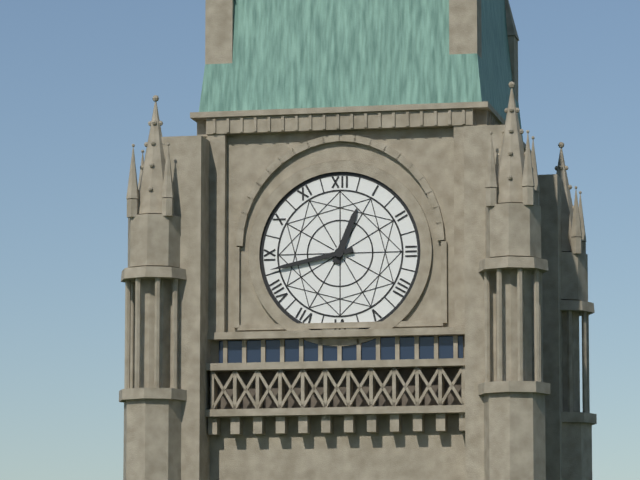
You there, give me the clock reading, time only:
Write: 12:43
